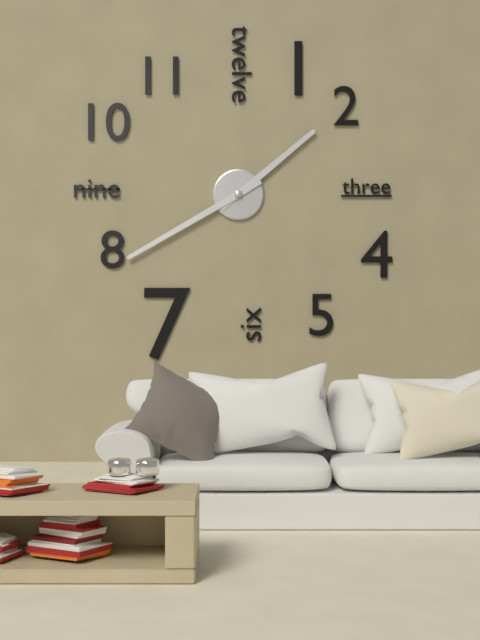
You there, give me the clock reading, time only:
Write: 1:40
